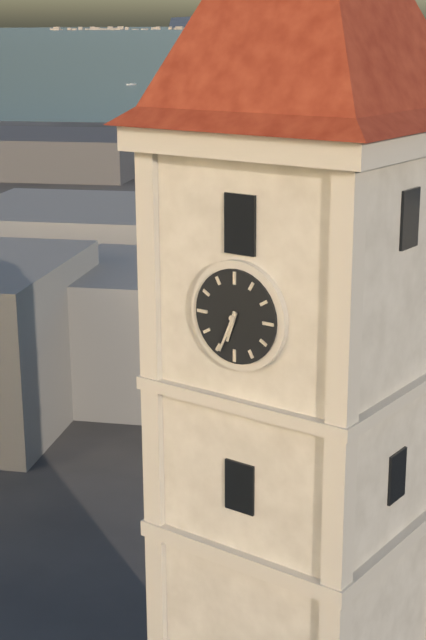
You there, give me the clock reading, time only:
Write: 6:34
